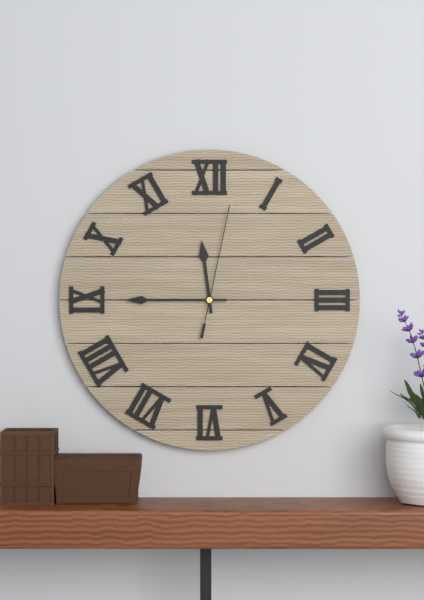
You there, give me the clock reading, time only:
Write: 11:45:02
